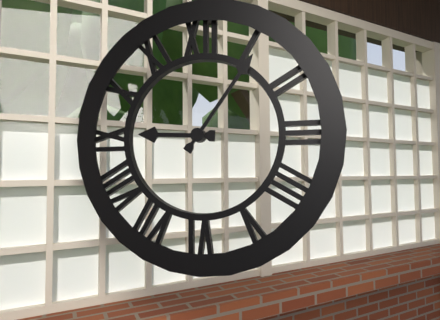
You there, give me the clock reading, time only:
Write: 9:06
